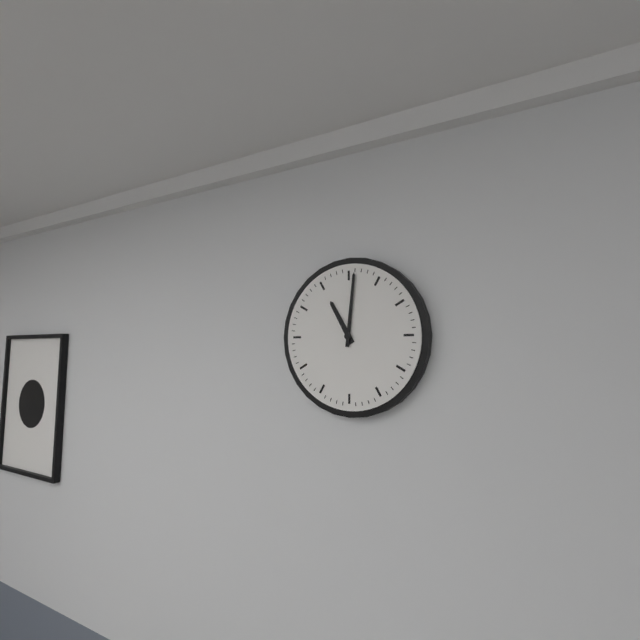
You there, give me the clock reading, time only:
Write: 11:01
